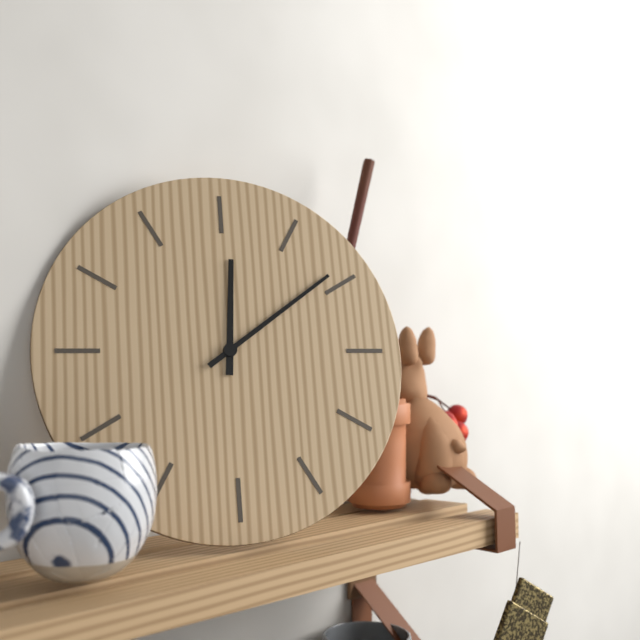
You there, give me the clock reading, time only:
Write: 12:09
